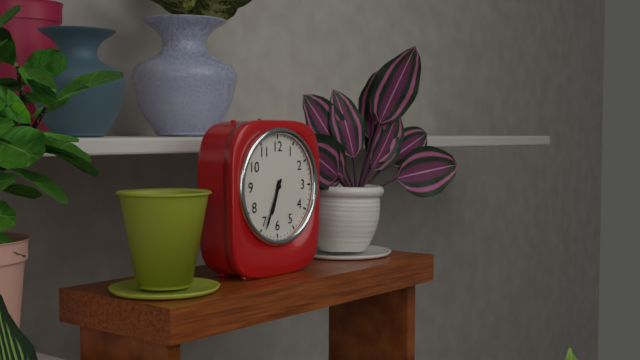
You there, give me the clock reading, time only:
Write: 6:34
